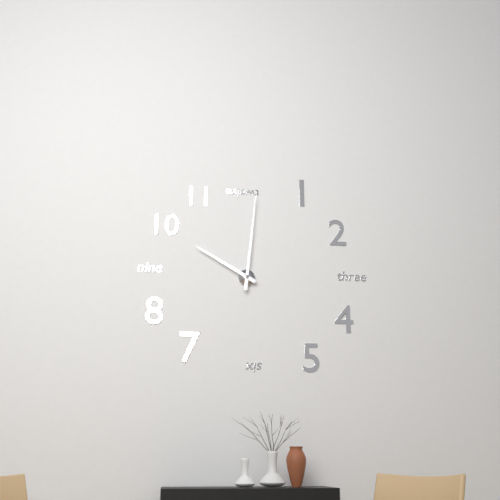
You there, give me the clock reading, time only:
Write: 10:01
